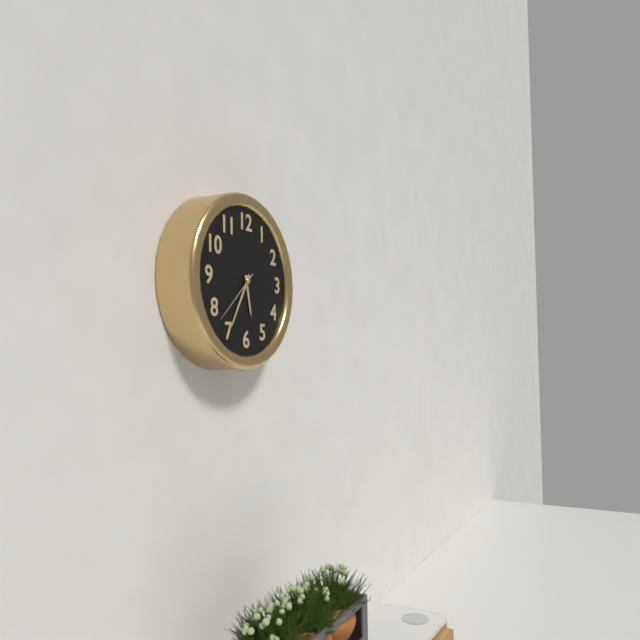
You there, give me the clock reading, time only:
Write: 5:35:38
